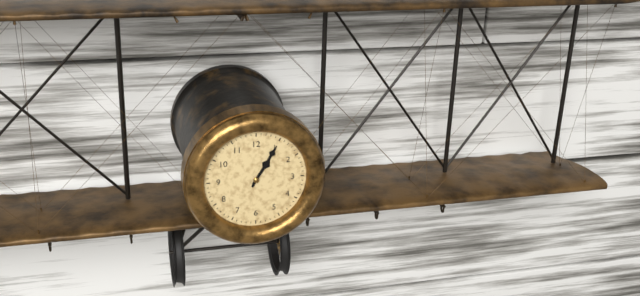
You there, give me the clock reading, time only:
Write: 1:05
